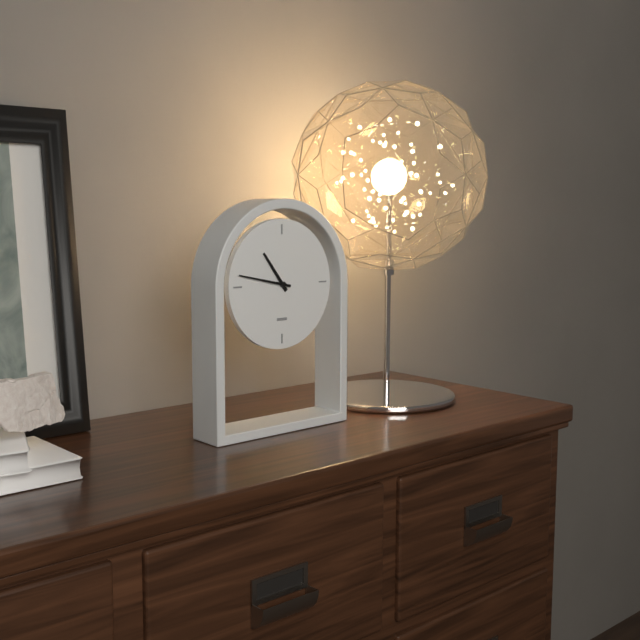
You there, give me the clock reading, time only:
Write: 10:47
